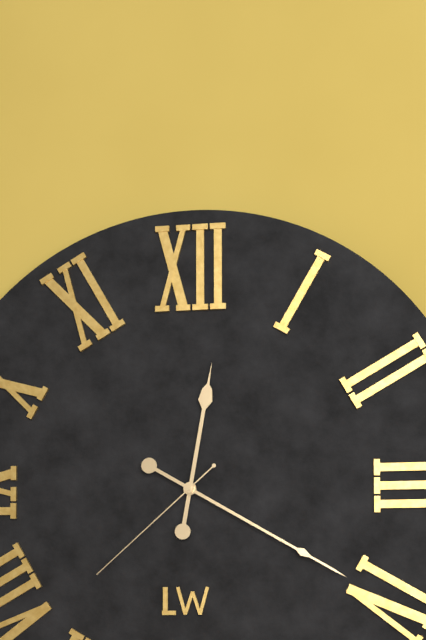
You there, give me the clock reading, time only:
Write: 12:20:38
